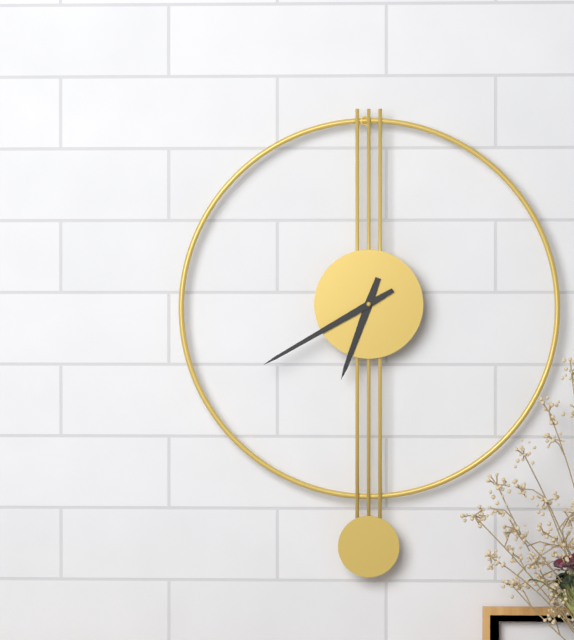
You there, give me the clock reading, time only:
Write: 6:40
